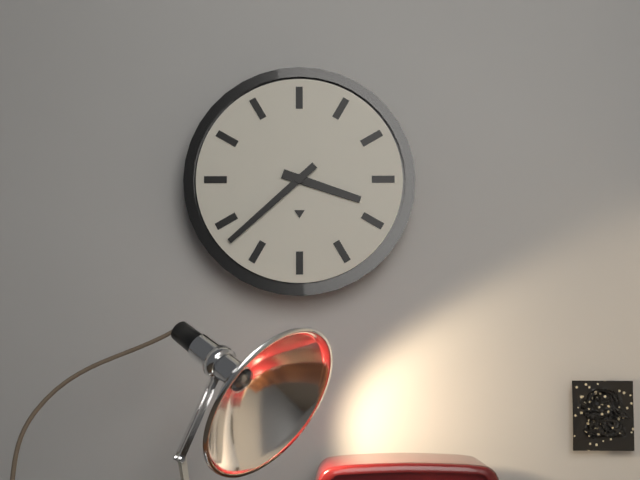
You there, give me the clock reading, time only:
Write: 3:38
